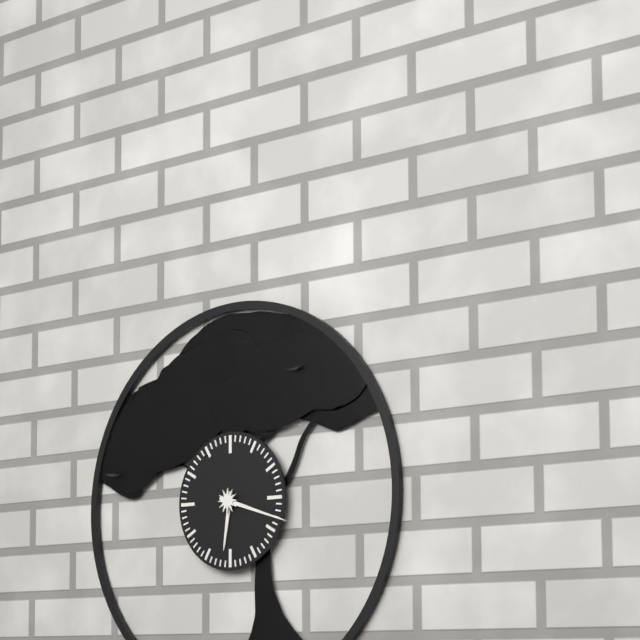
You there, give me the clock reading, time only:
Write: 6:18
